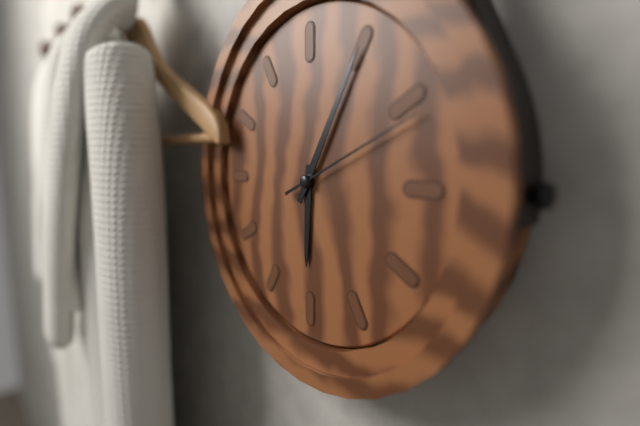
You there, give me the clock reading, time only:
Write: 6:05:11
